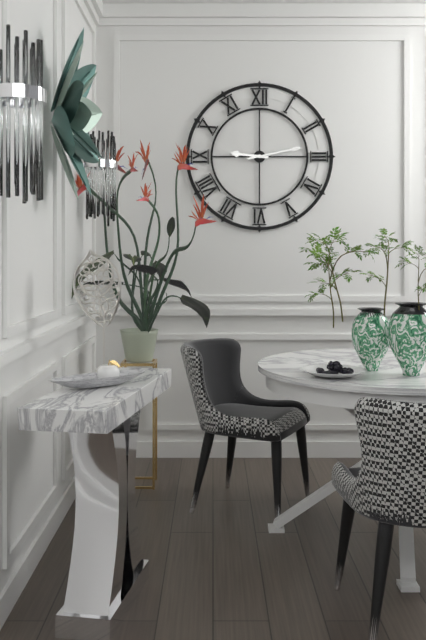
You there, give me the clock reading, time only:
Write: 9:13
